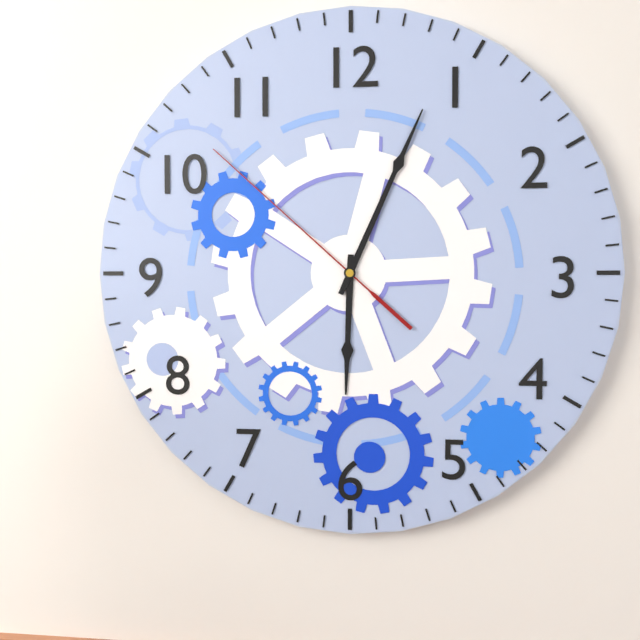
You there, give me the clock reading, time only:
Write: 6:04:52
